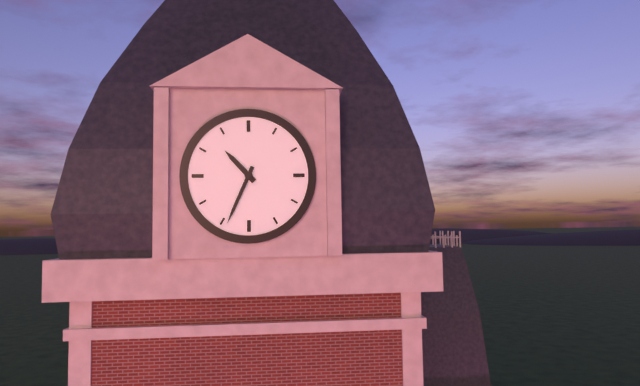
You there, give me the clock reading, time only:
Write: 10:34
